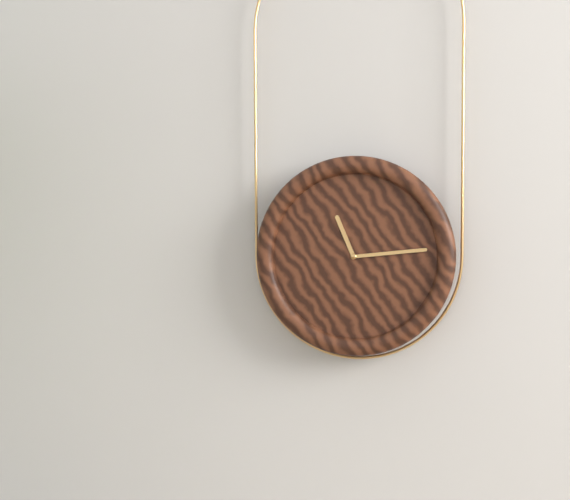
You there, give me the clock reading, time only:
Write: 11:14
